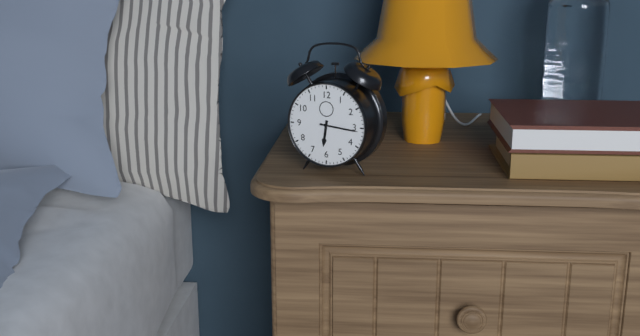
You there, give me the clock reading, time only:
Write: 6:16
